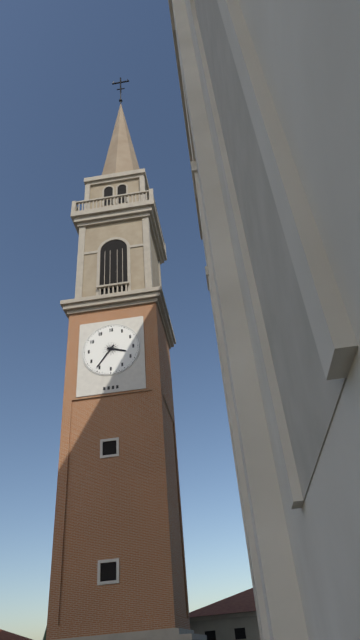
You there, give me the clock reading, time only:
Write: 3:36
